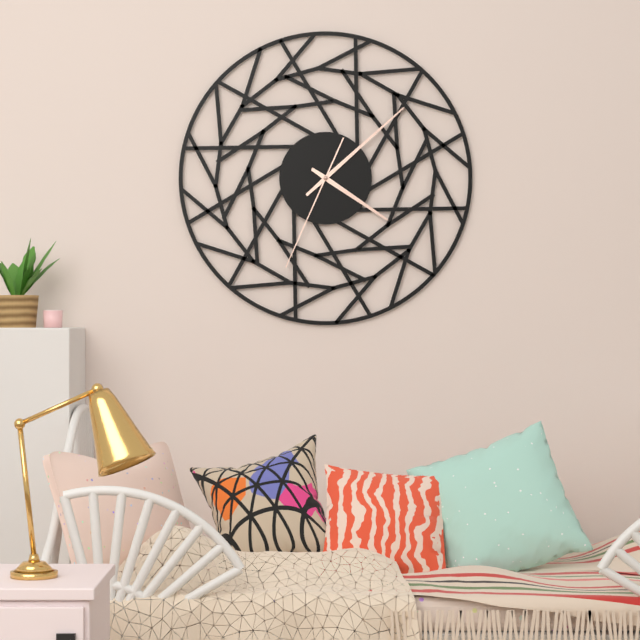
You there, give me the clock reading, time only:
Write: 4:08:34
